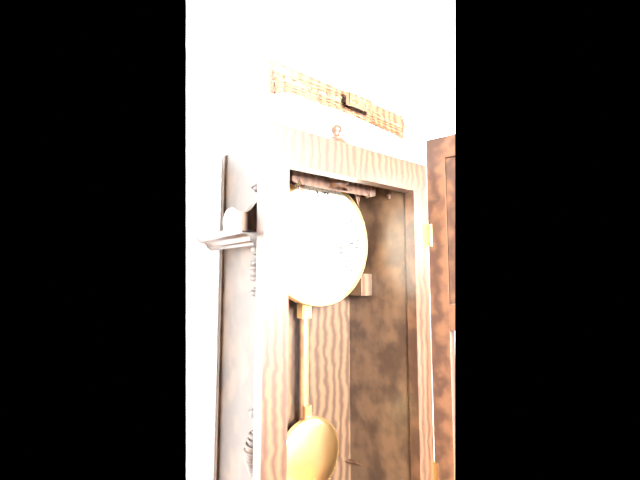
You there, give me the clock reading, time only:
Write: 9:37
